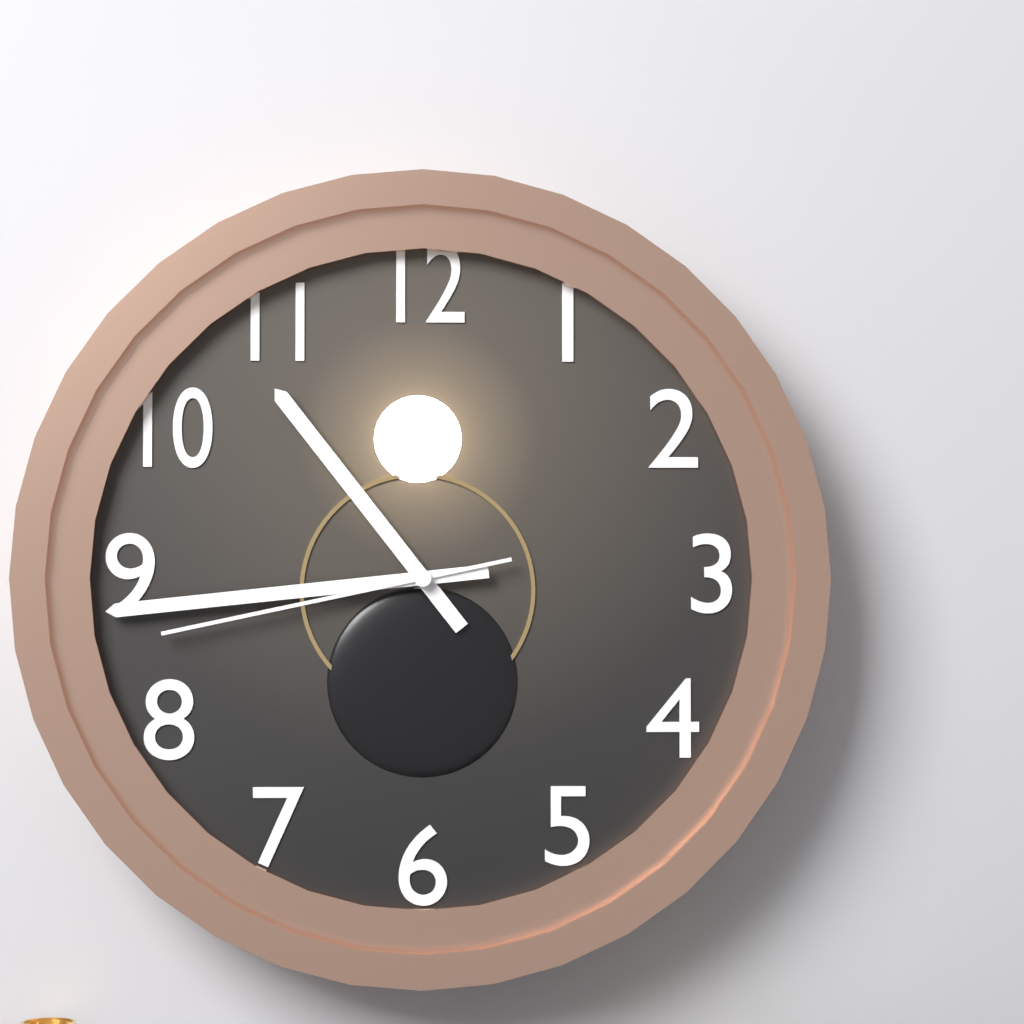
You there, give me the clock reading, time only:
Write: 10:44:43
